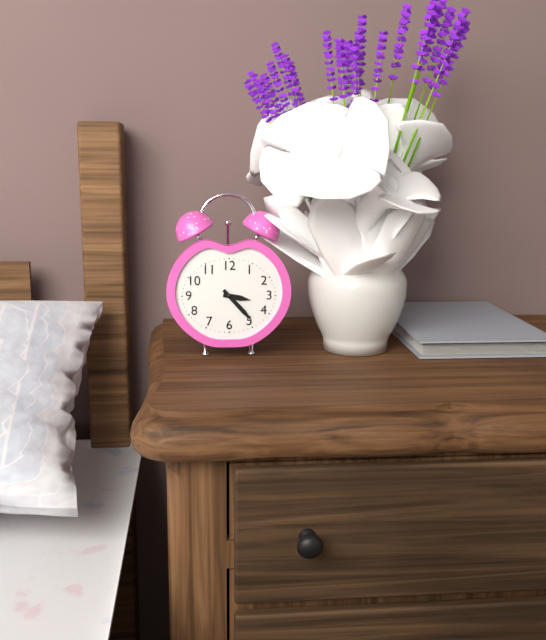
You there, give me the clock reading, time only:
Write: 3:23
